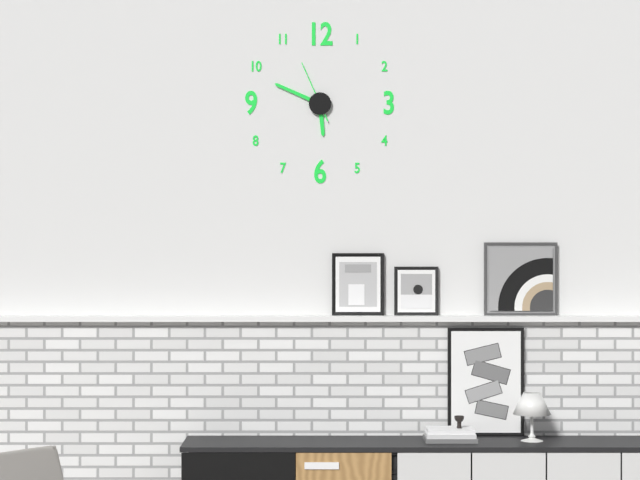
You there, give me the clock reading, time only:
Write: 5:49:56
